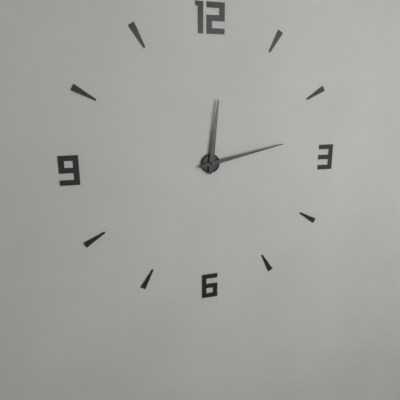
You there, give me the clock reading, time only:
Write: 12:13
